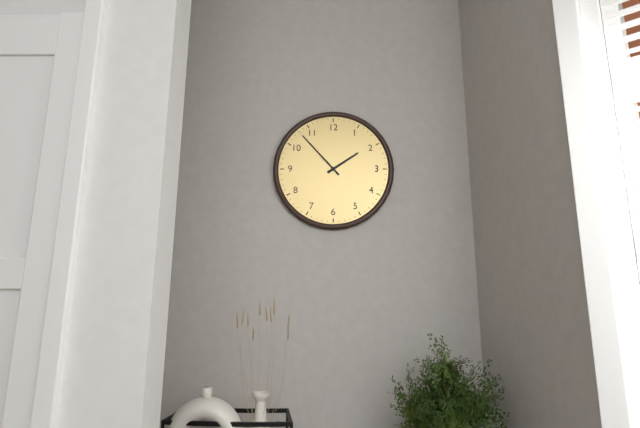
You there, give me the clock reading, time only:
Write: 1:53
